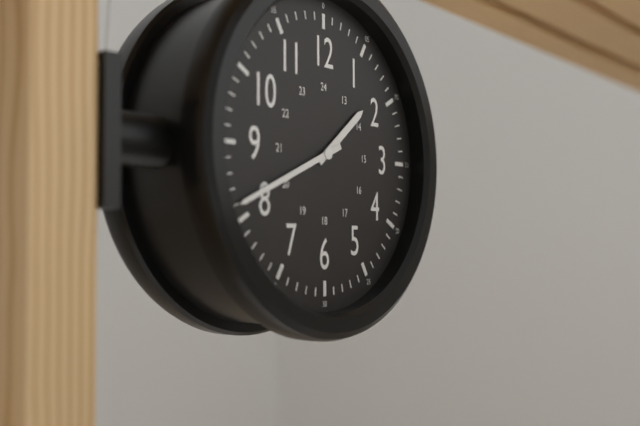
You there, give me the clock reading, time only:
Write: 1:41
